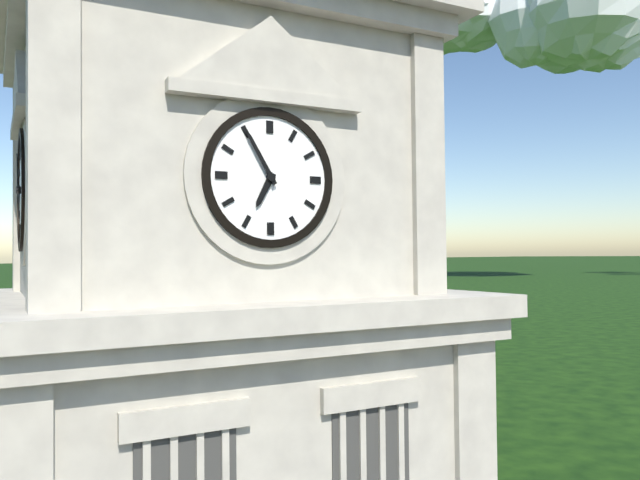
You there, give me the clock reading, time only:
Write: 6:55
